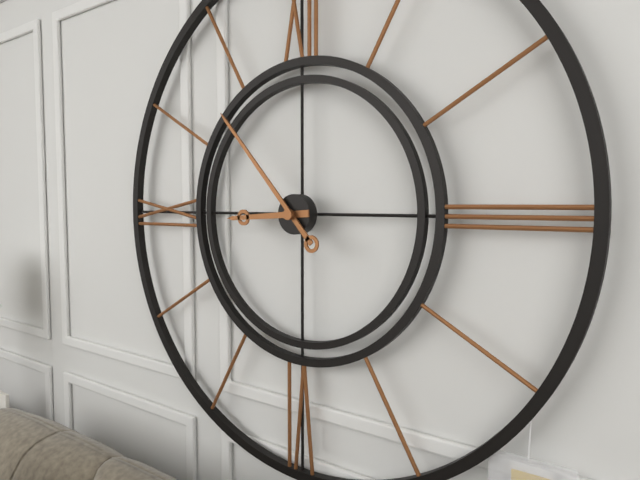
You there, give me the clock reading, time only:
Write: 8:53
